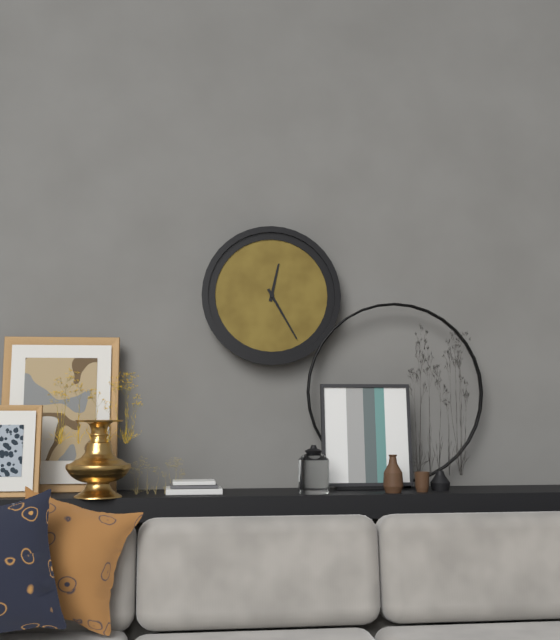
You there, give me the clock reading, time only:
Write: 12:25
